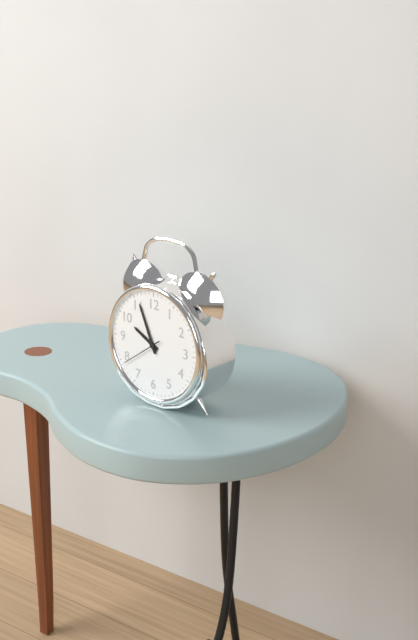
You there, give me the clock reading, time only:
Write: 9:56
